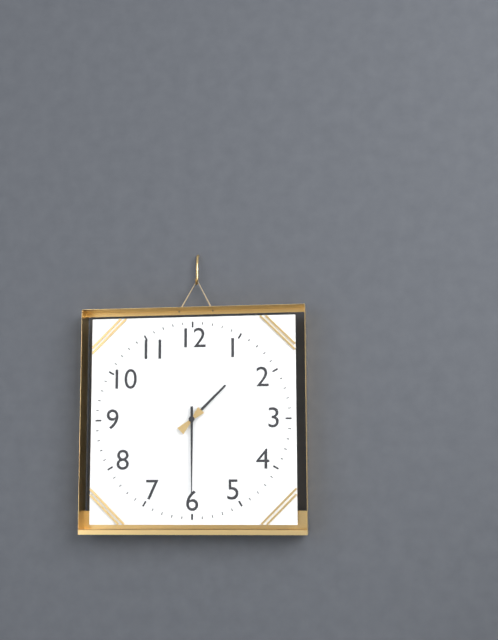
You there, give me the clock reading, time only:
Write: 1:30
